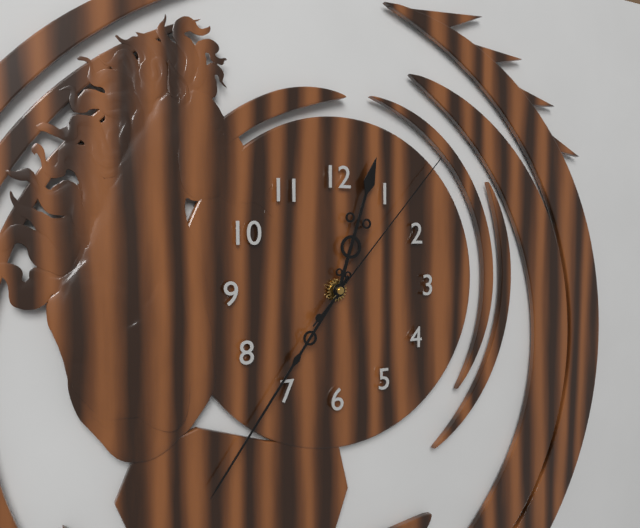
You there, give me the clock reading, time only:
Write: 12:36:07
